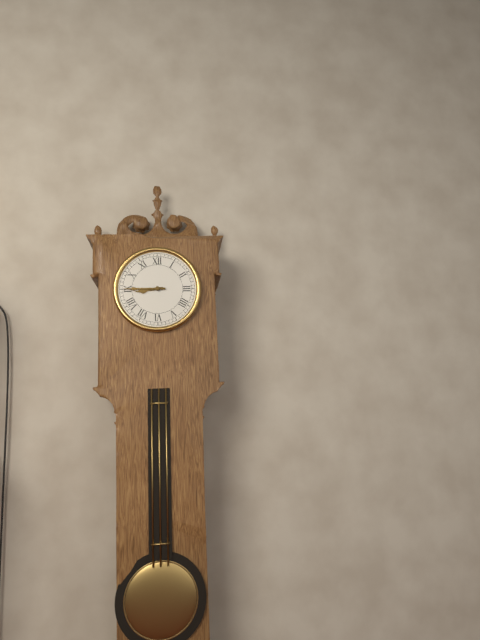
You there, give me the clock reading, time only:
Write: 8:45
